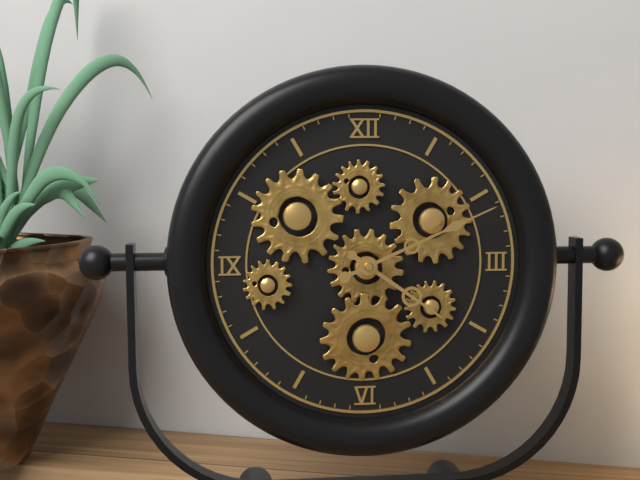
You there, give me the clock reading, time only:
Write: 4:11
